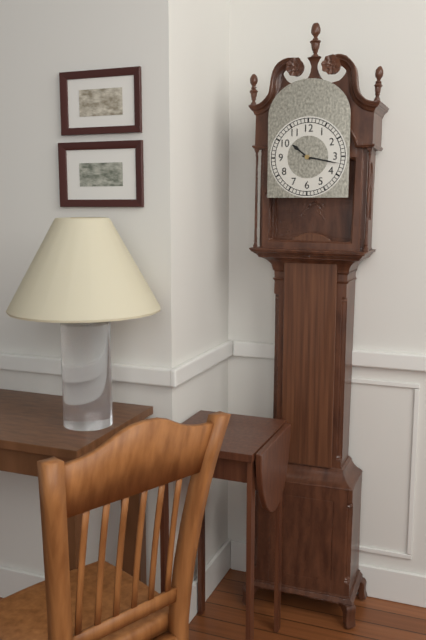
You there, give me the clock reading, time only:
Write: 10:17
